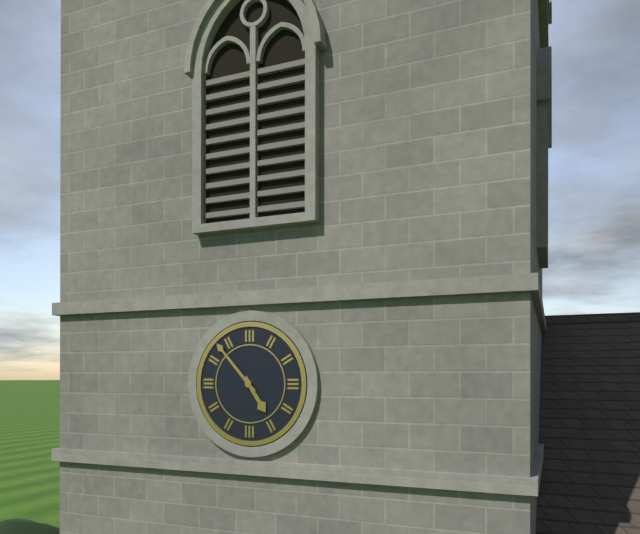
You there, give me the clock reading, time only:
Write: 4:53
